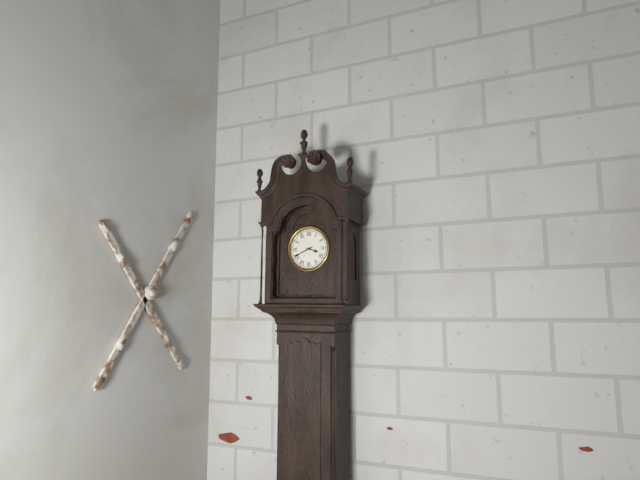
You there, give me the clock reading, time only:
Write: 3:41
